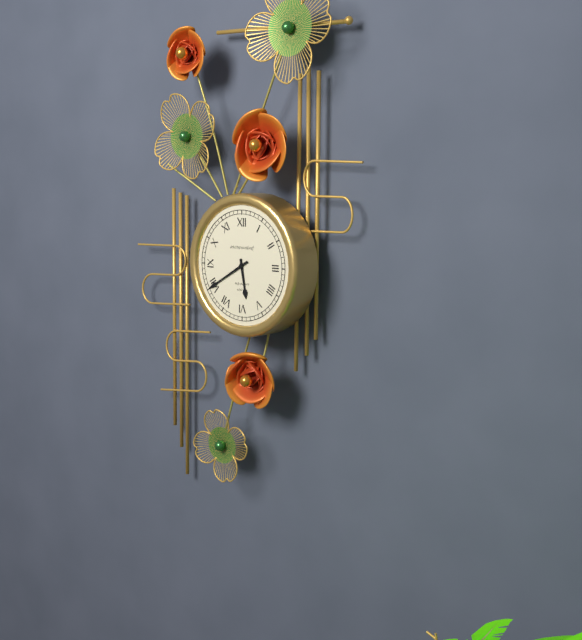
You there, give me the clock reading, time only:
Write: 5:40
